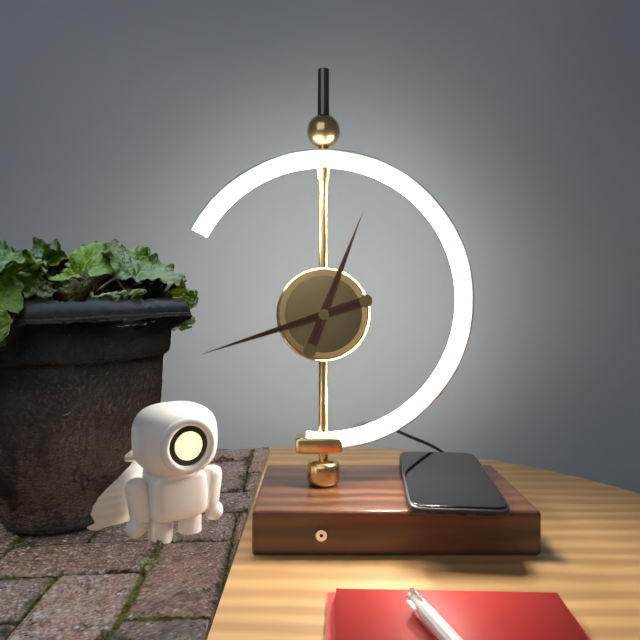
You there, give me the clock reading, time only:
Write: 12:42
